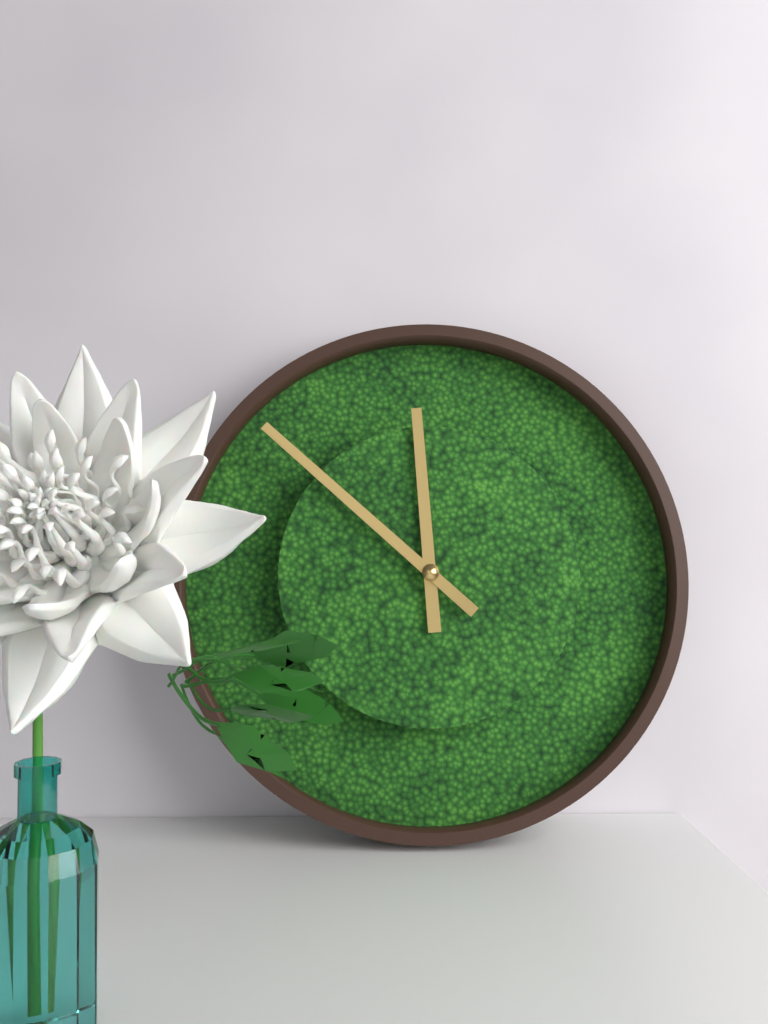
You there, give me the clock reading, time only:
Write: 11:52
